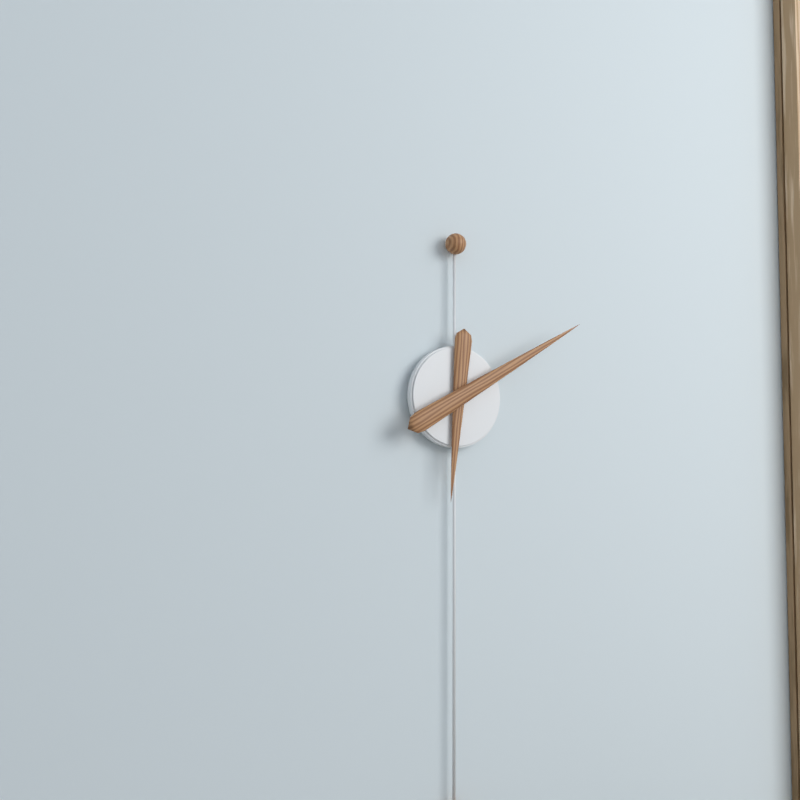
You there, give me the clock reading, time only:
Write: 6:10
